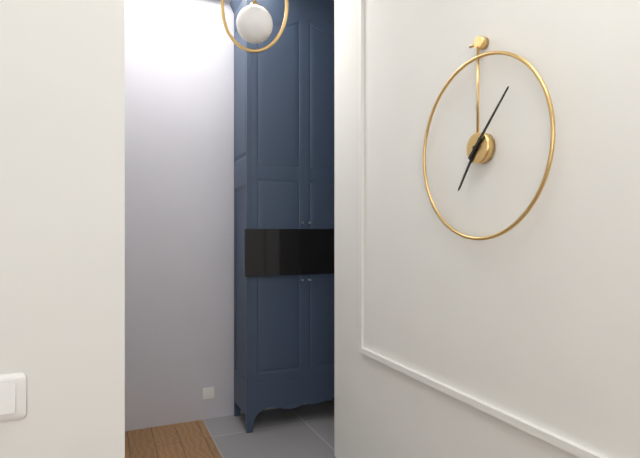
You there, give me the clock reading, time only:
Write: 7:07
